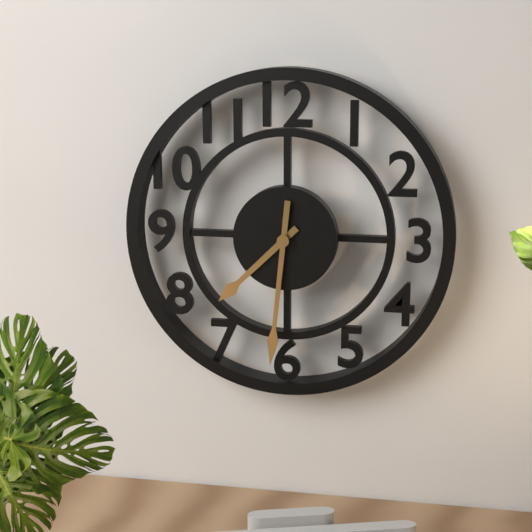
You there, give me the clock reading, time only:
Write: 7:31
